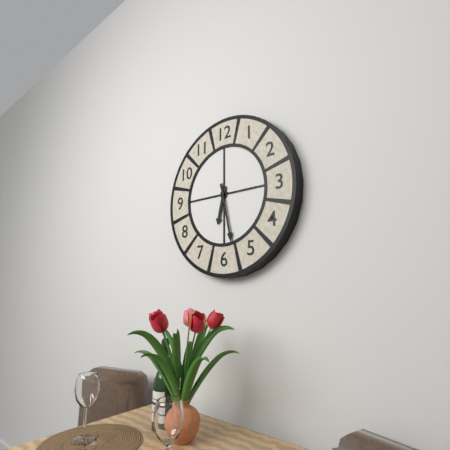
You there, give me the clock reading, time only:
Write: 6:28
